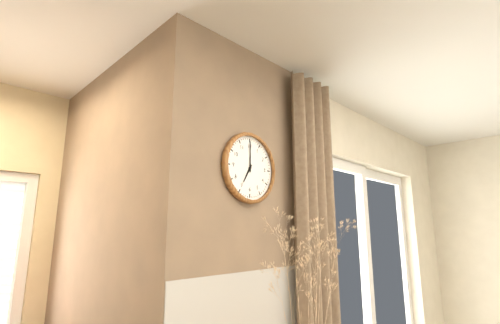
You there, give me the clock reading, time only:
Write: 7:00
